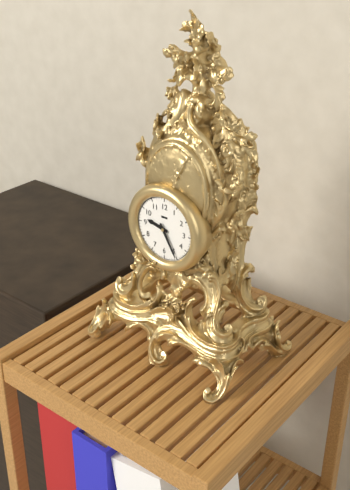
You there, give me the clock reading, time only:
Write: 9:25
